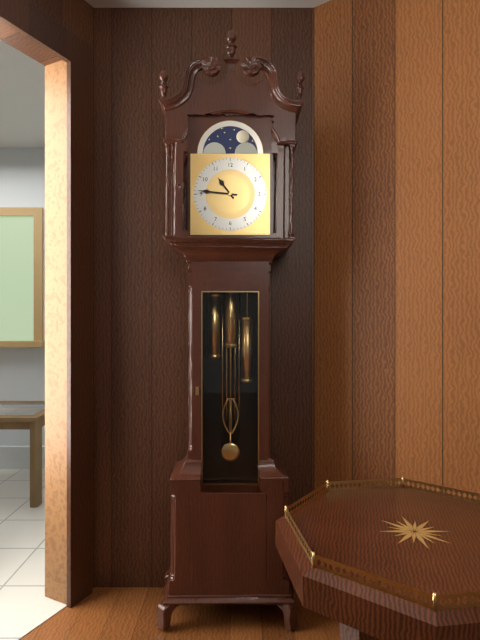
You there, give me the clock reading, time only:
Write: 10:46
